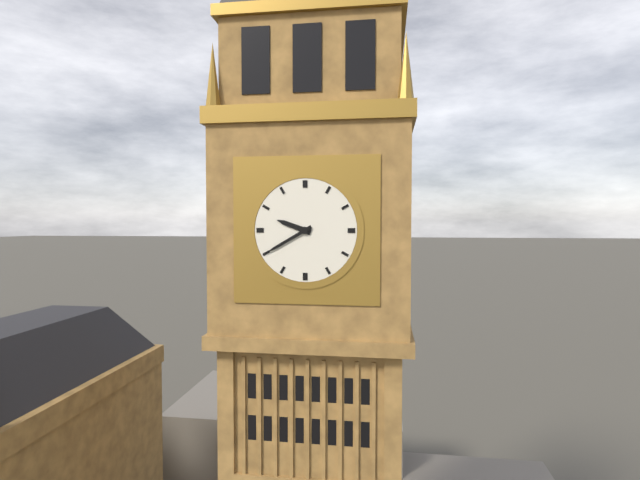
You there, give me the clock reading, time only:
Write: 9:40
